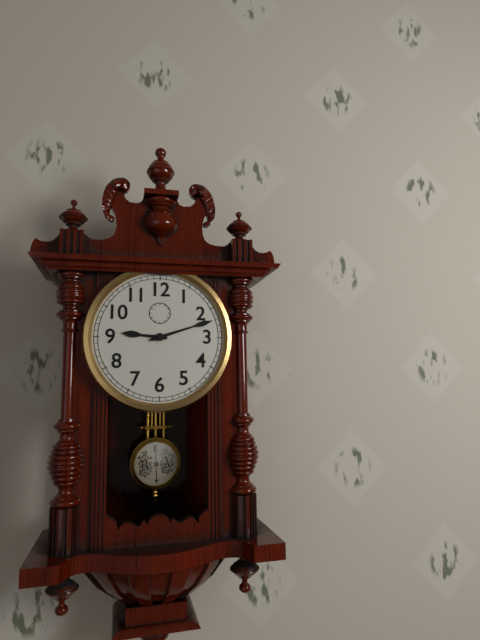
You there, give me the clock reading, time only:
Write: 9:12
